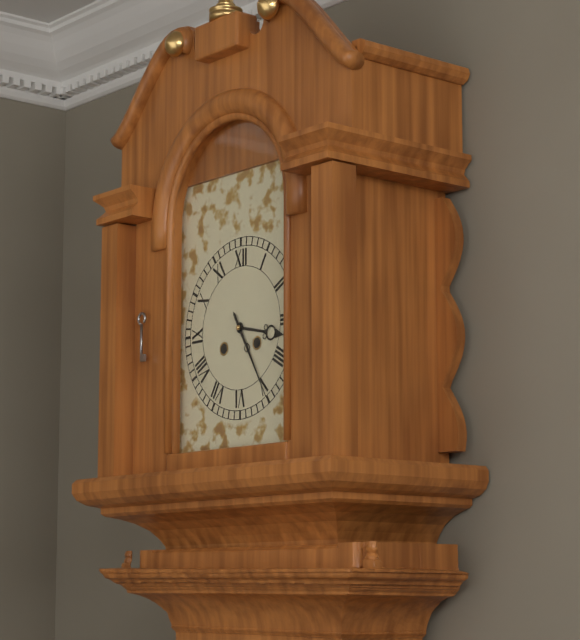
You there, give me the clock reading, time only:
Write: 3:25
